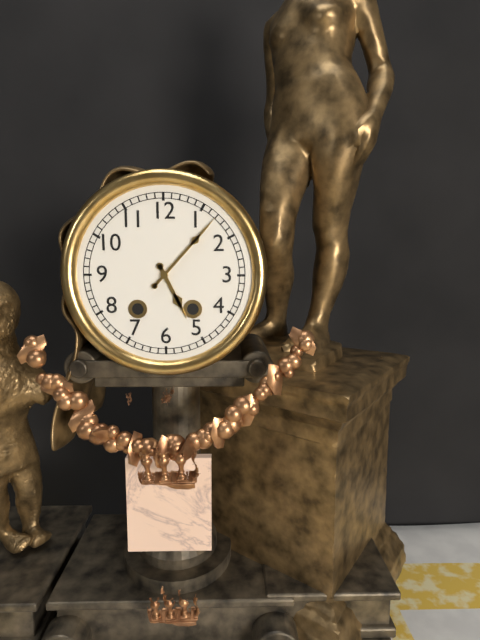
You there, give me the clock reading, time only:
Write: 5:07
